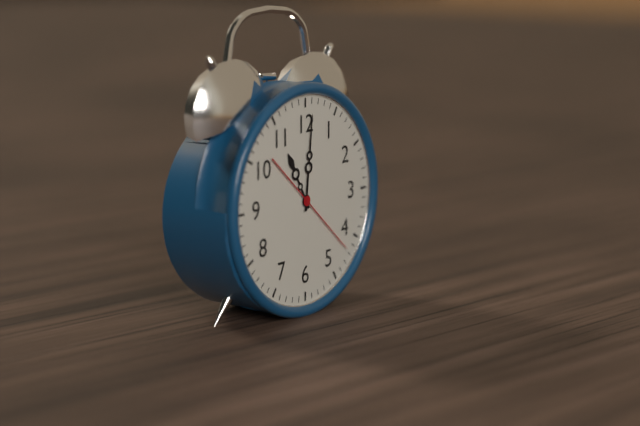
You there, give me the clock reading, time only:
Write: 11:01:22
